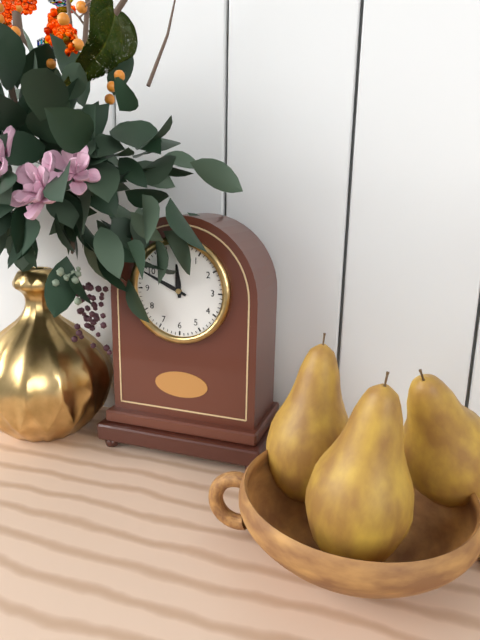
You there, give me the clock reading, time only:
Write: 11:49
